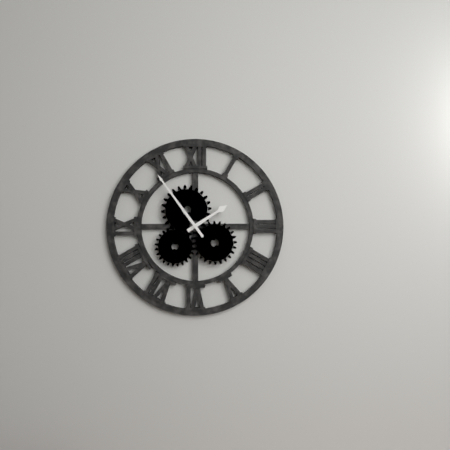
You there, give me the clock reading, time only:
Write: 1:54
